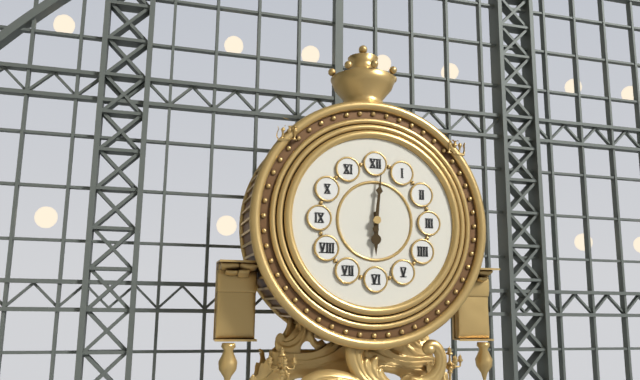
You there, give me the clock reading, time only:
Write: 6:01
